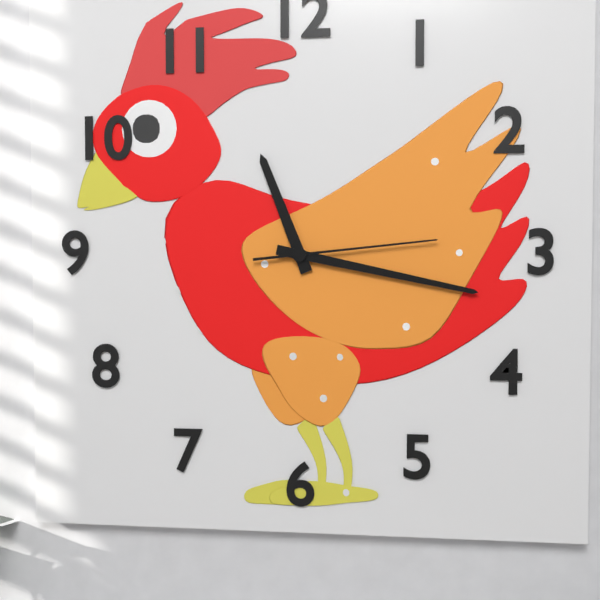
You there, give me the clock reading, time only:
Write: 11:17:14
